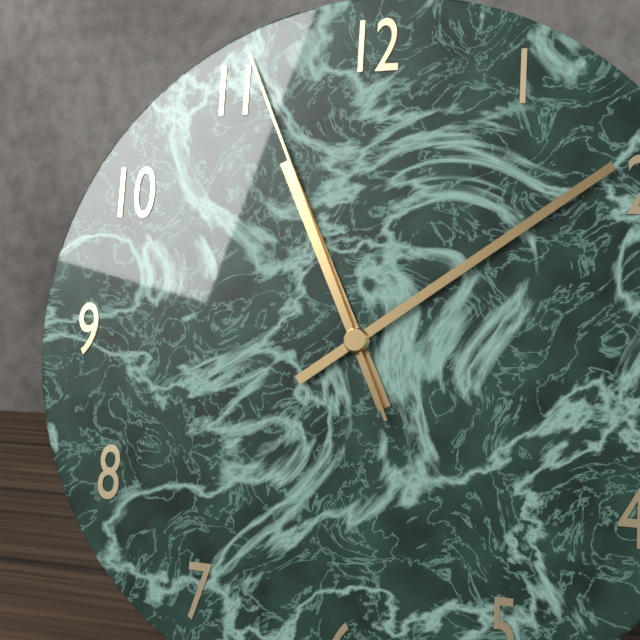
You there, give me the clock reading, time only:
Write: 11:09:56
